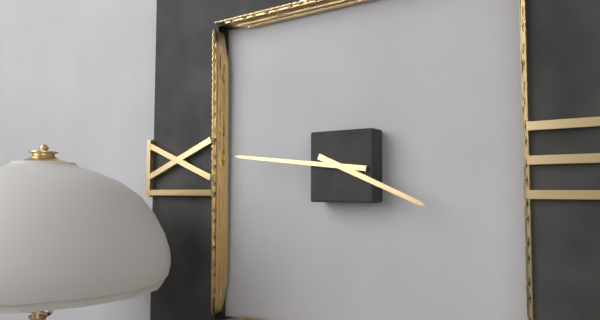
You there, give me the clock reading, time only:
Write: 3:46
